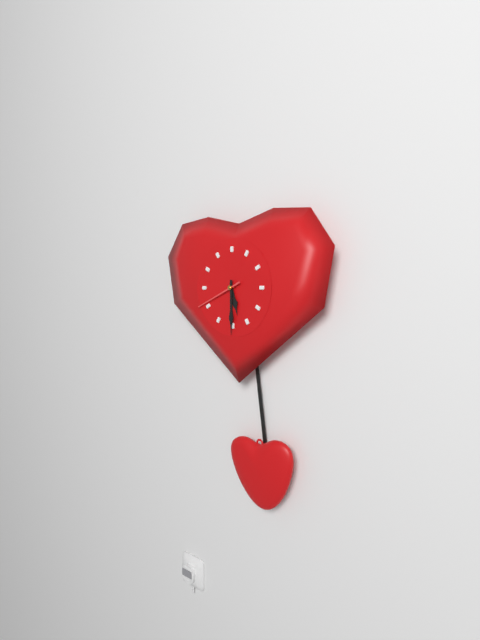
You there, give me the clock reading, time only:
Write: 5:30
